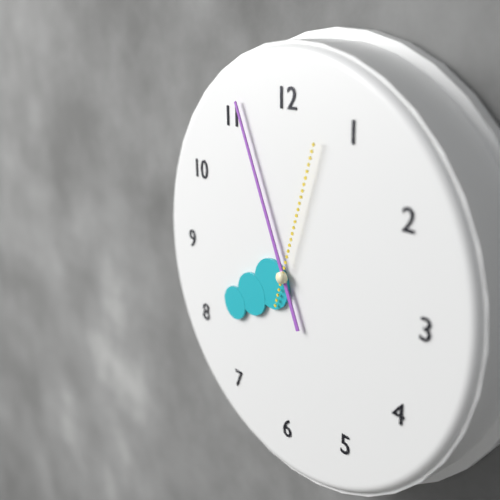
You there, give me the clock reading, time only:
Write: 7:56:03
